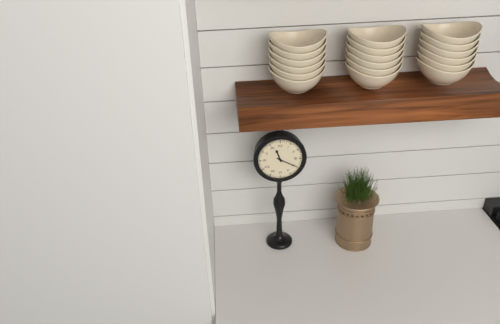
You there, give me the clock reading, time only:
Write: 11:20
